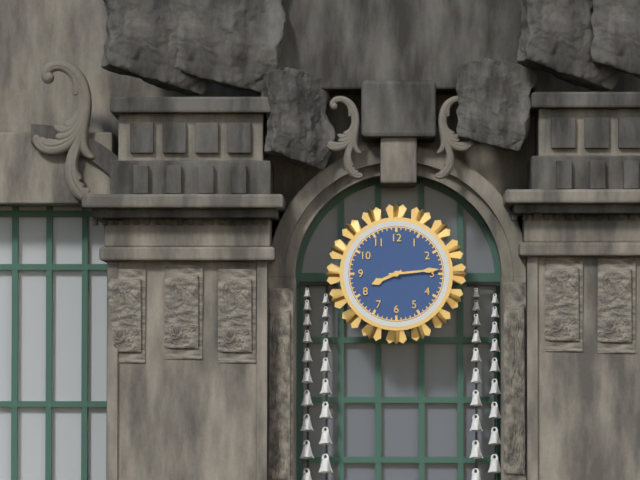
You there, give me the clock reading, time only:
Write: 8:14
